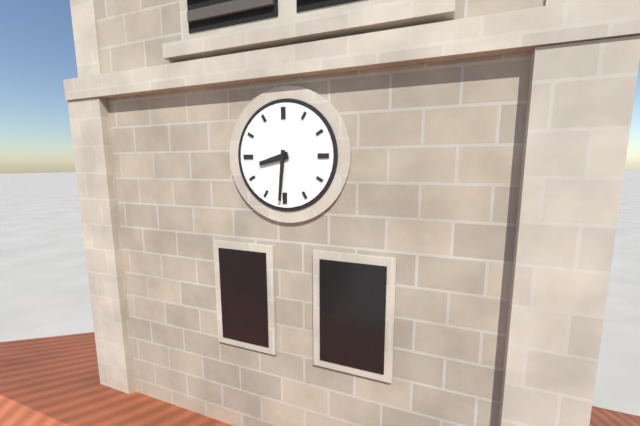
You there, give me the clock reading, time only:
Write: 8:31
